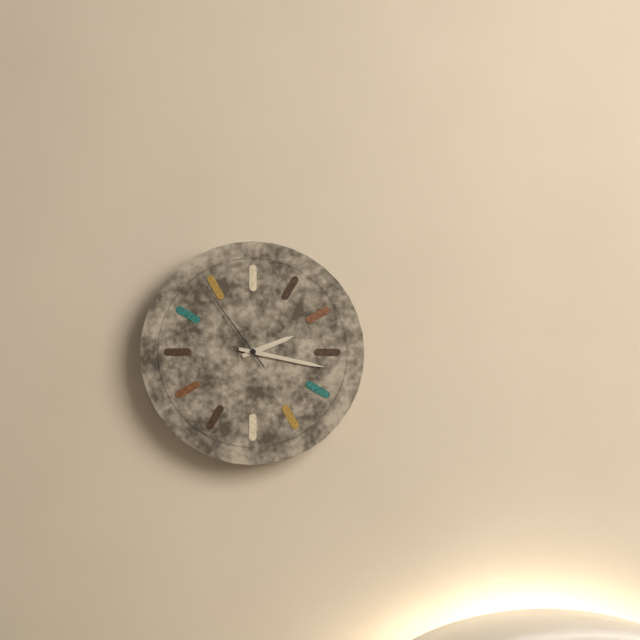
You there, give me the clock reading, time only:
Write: 2:17:54
